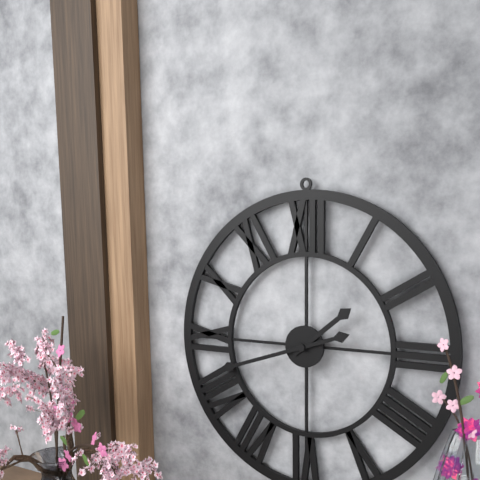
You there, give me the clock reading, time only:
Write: 1:42
